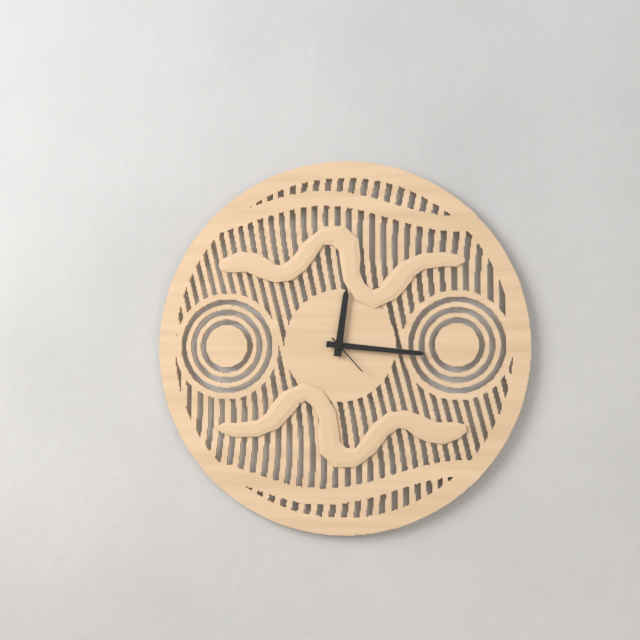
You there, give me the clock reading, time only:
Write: 12:16
